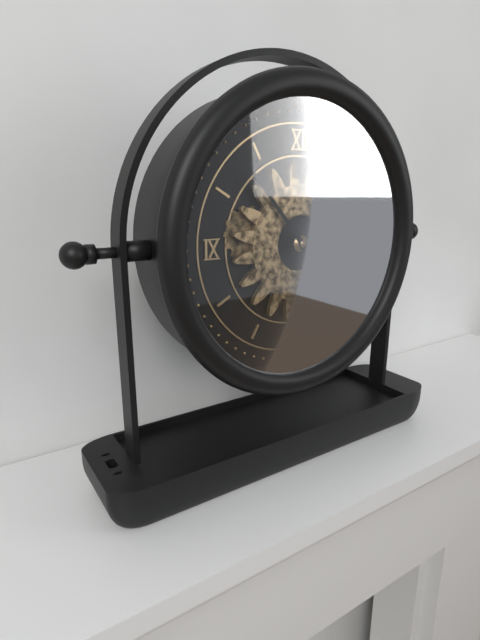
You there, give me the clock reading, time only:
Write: 4:53
